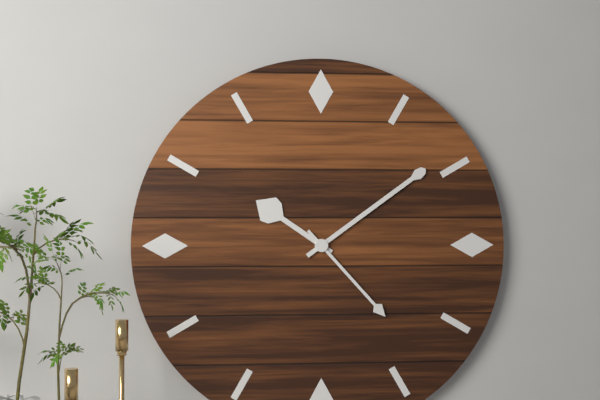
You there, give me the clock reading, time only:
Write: 10:09:23
